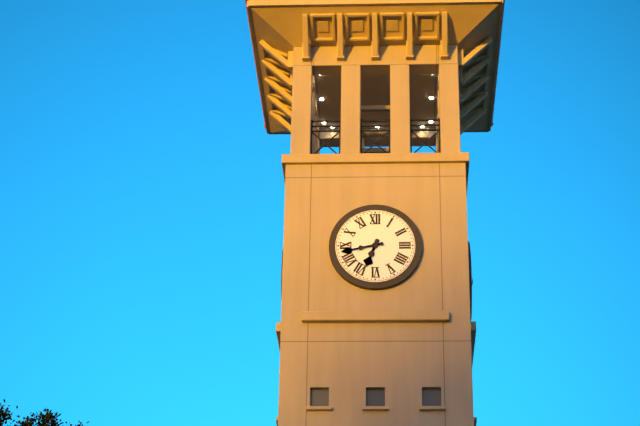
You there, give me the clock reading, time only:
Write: 6:43
